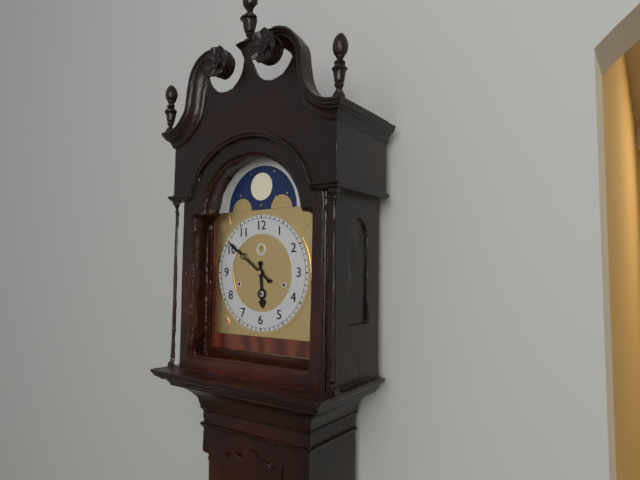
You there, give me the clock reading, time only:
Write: 5:51
